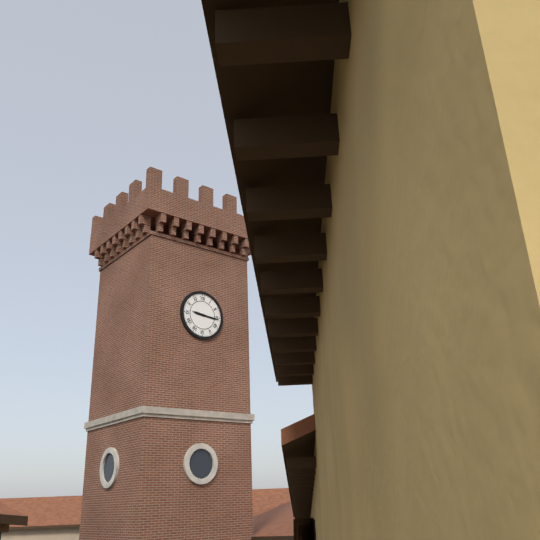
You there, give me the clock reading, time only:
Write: 9:16
